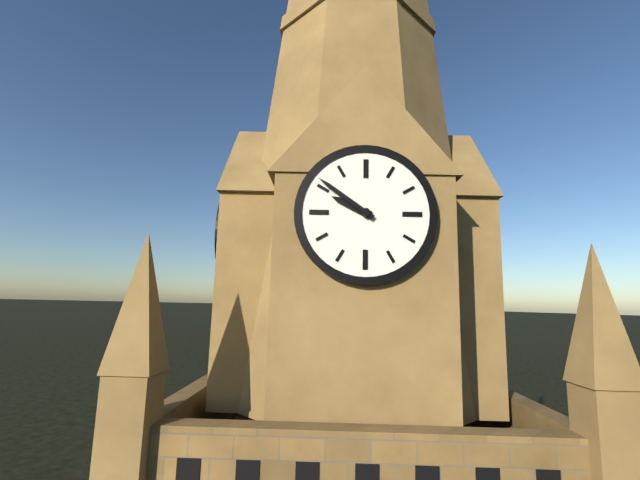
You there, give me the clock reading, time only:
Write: 9:51
